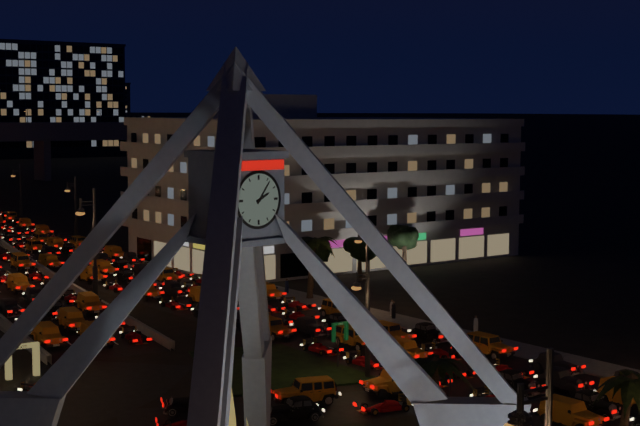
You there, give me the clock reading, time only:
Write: 2:06
